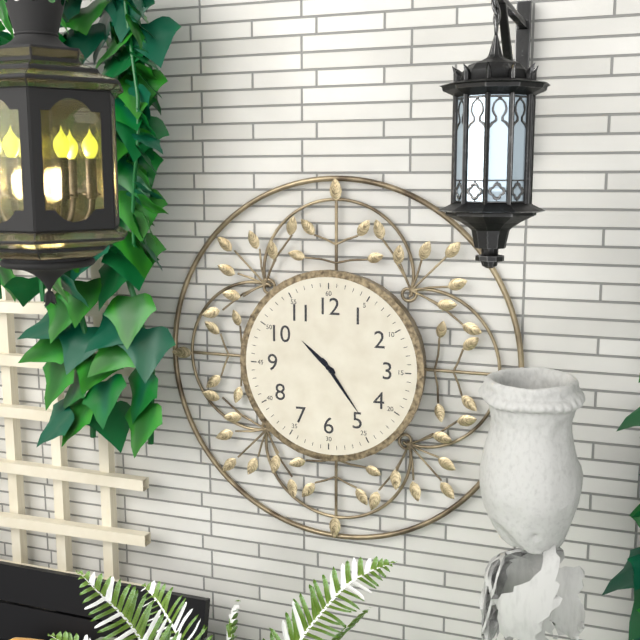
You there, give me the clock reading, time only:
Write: 10:24
